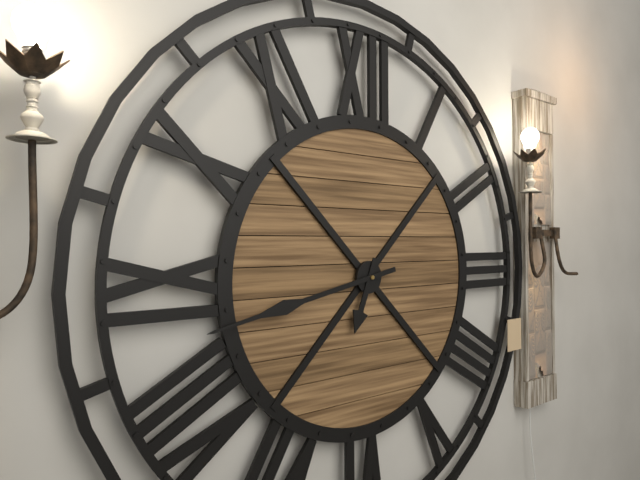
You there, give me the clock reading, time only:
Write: 6:43
